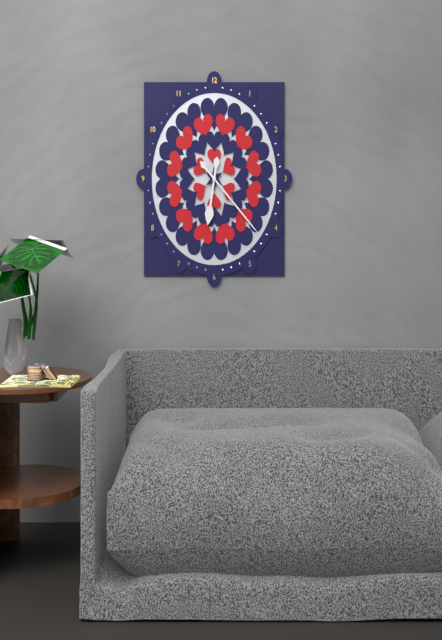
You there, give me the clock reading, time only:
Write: 6:22
